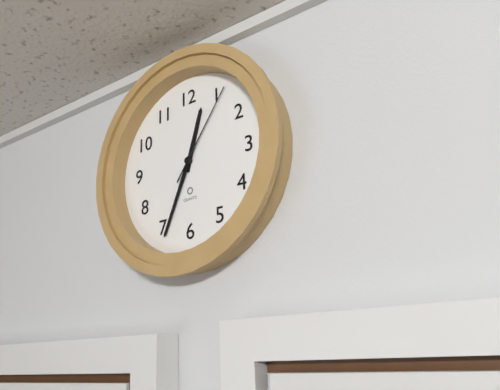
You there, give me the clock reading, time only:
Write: 12:34:06
